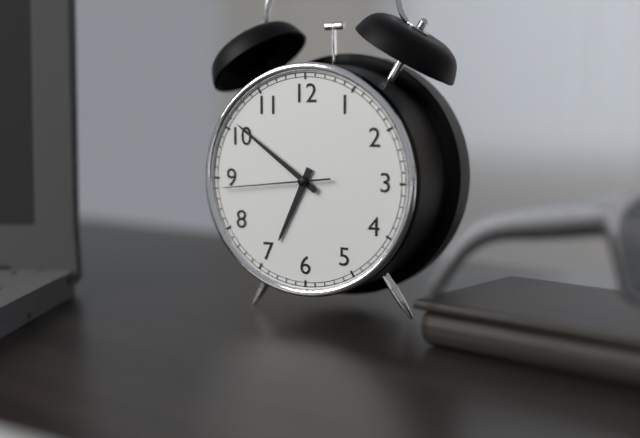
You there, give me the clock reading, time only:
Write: 6:51:44
